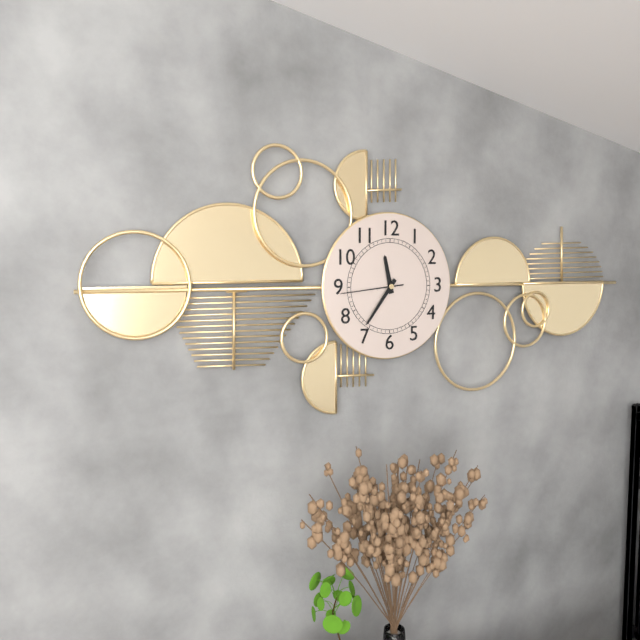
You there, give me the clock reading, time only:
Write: 11:36:44
